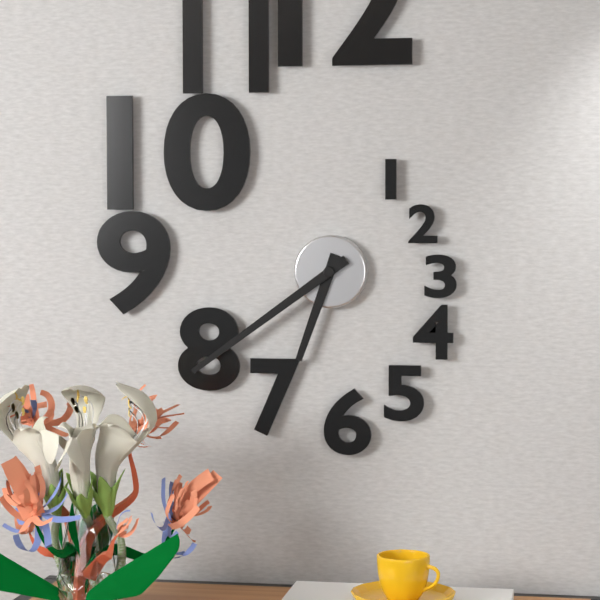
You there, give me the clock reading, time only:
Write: 6:39
